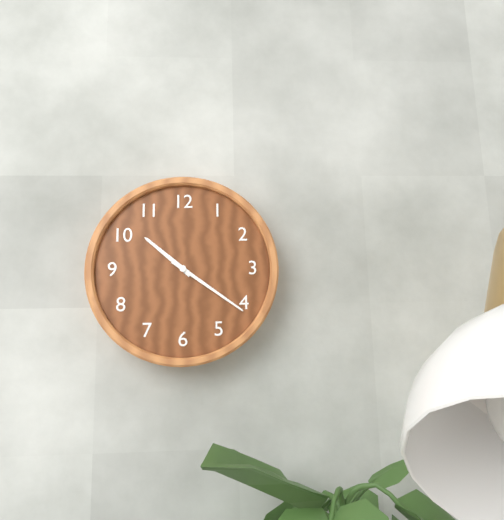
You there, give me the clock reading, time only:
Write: 10:21
